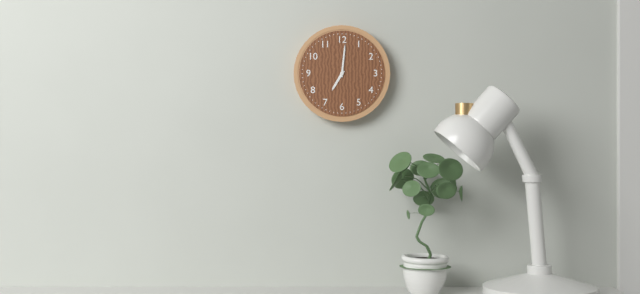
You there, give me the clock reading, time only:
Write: 7:01
